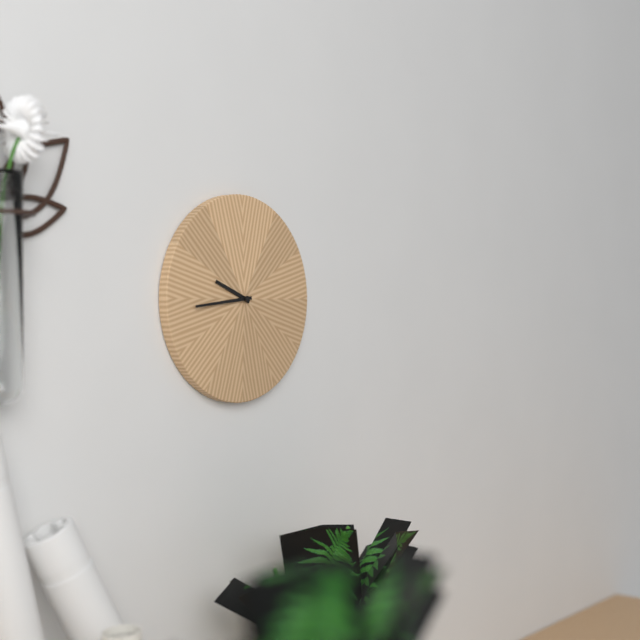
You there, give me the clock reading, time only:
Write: 9:44
